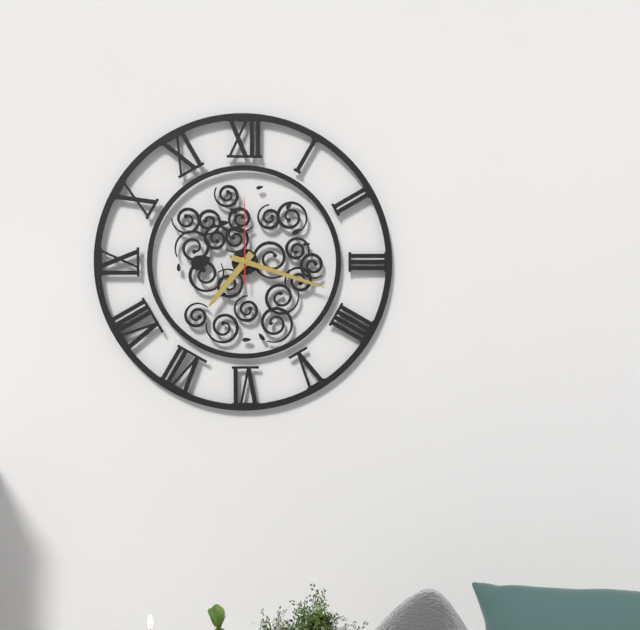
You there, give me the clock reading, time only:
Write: 7:18:00
